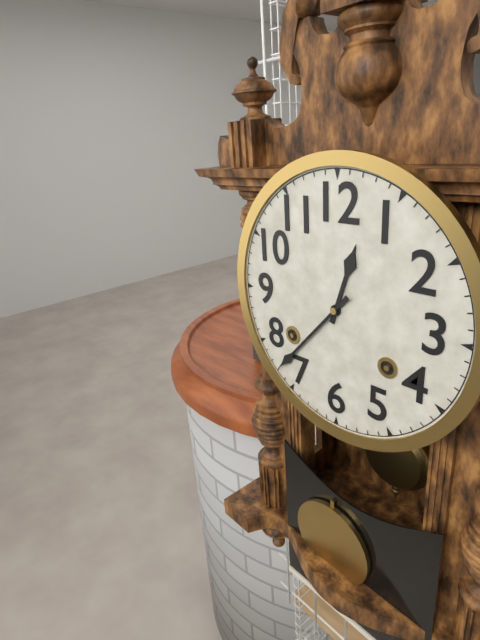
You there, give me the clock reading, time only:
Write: 12:37
